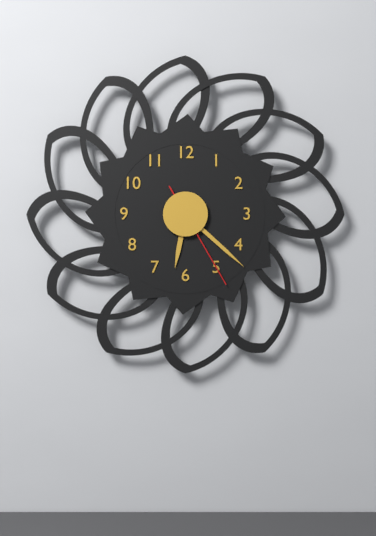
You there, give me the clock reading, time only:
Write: 6:22:25
